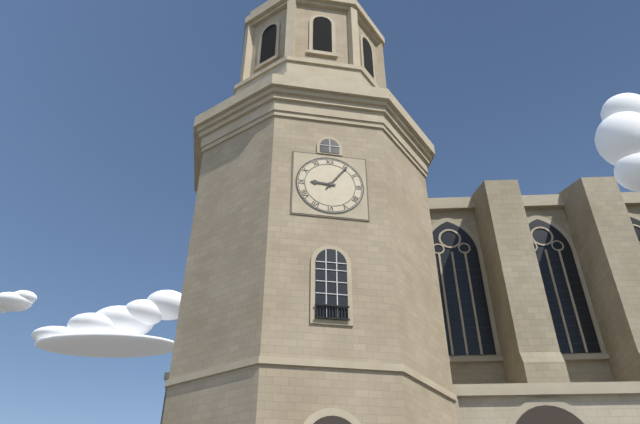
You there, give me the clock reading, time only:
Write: 9:06
